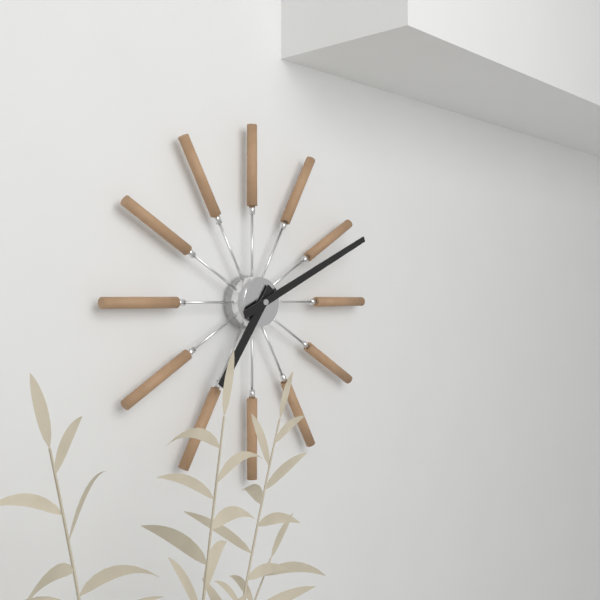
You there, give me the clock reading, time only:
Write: 7:11
